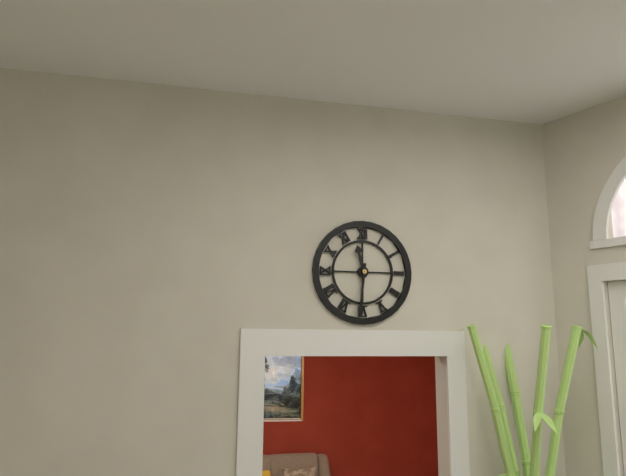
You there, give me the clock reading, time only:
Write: 11:31
